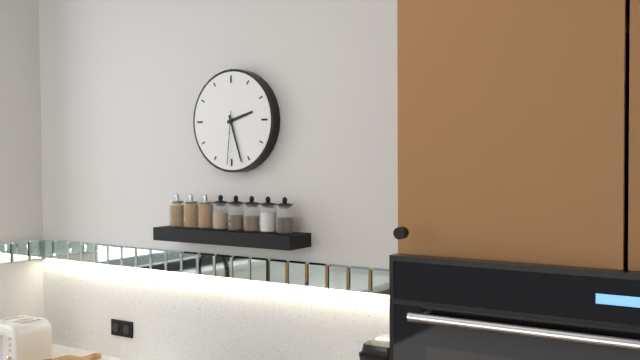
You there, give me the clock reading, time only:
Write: 2:27:31
